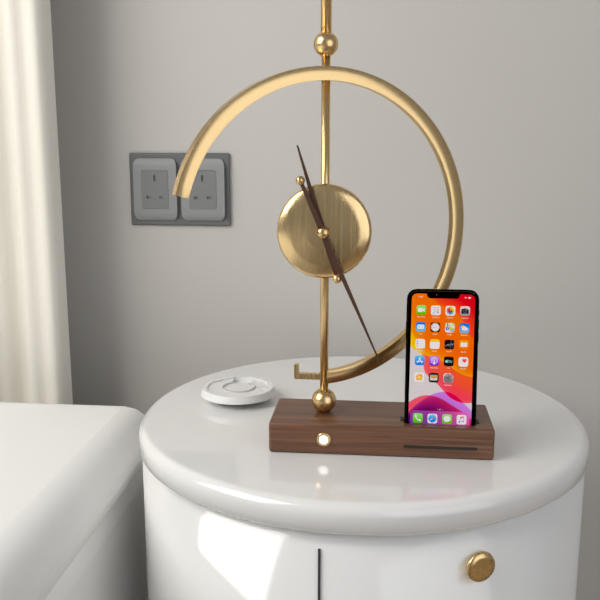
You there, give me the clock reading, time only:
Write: 11:26
